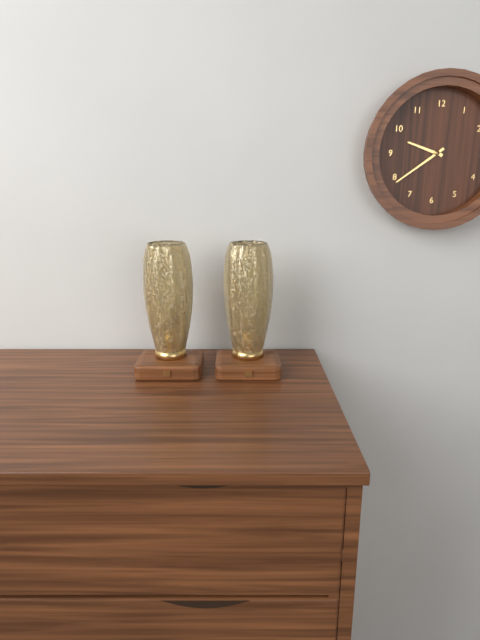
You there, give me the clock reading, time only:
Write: 9:39
